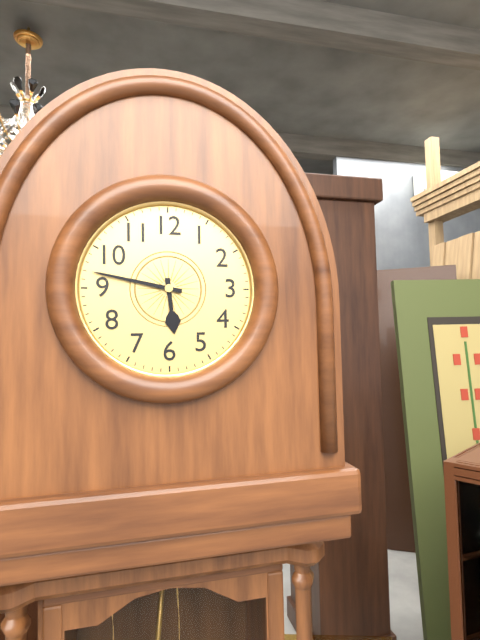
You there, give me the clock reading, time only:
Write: 5:47
